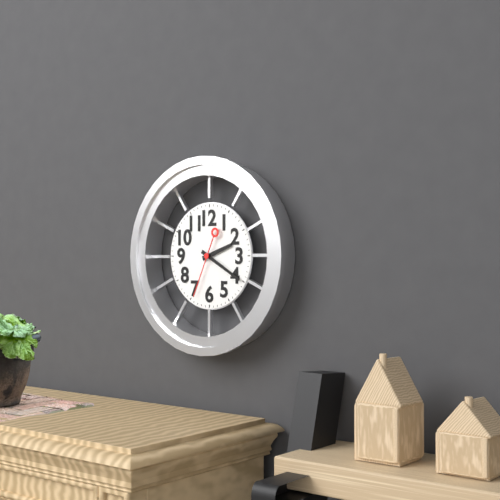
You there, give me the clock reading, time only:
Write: 2:20:34
